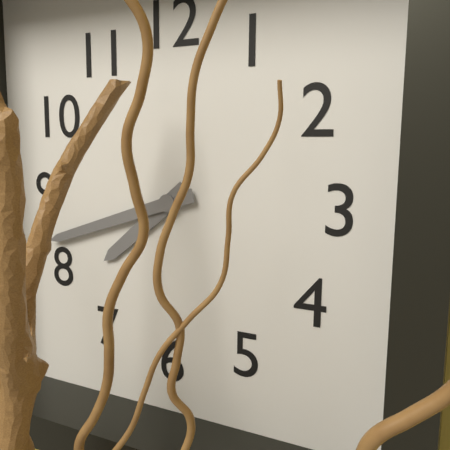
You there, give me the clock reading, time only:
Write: 7:42
